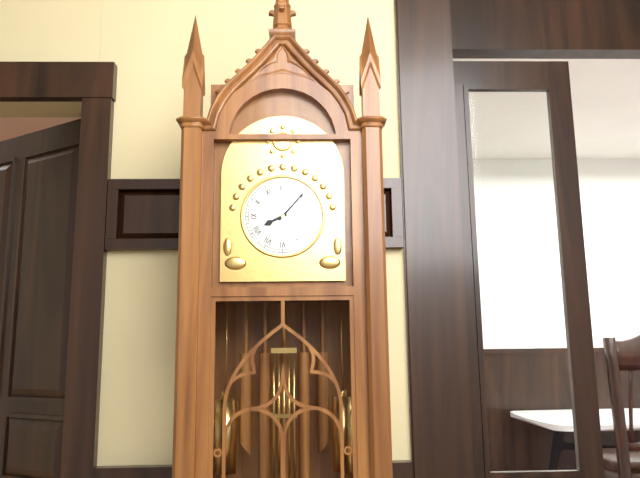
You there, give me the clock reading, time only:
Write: 8:07
